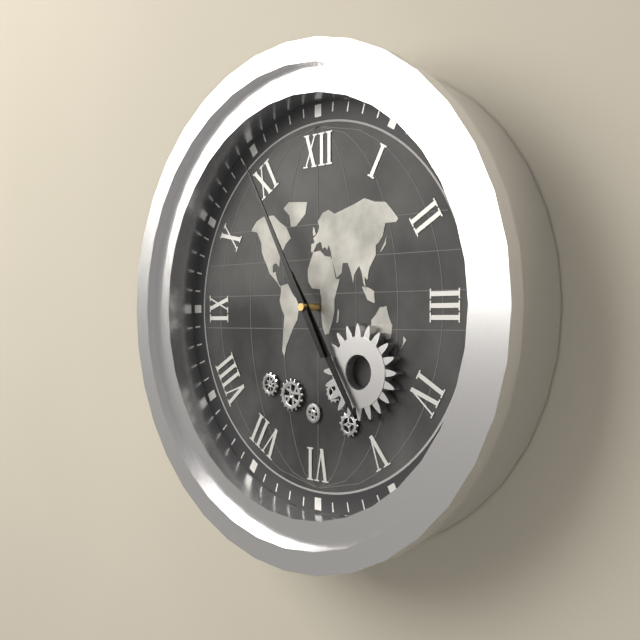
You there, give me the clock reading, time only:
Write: 4:55
